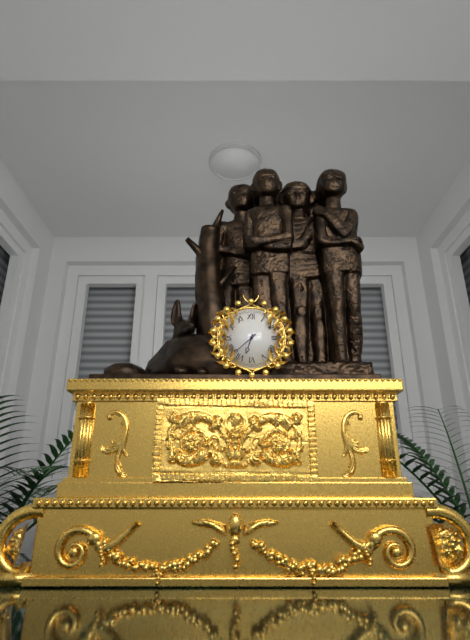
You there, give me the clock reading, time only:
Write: 6:38
